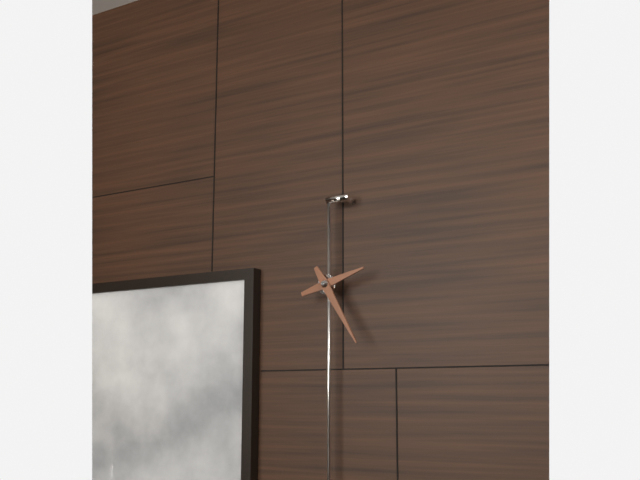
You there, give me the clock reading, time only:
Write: 2:25
